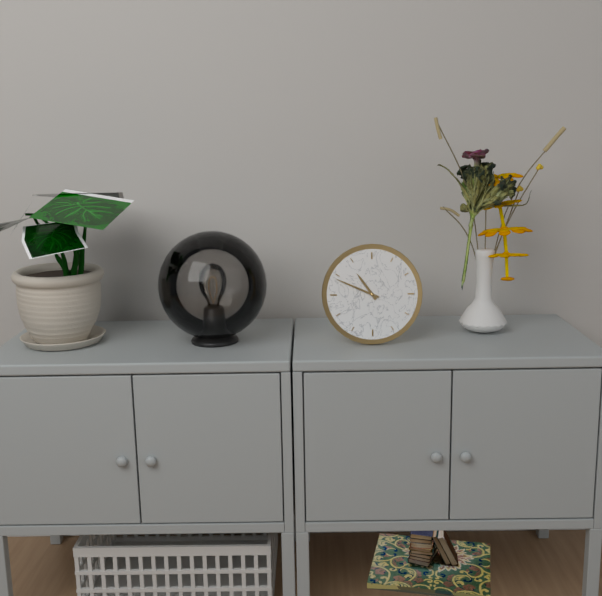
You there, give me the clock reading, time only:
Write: 10:49
